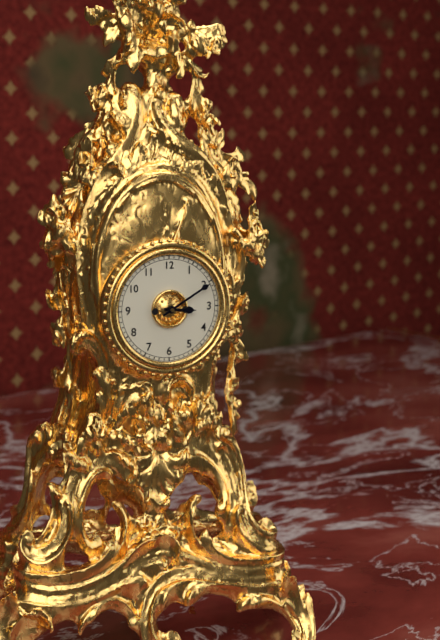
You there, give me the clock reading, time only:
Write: 3:10
